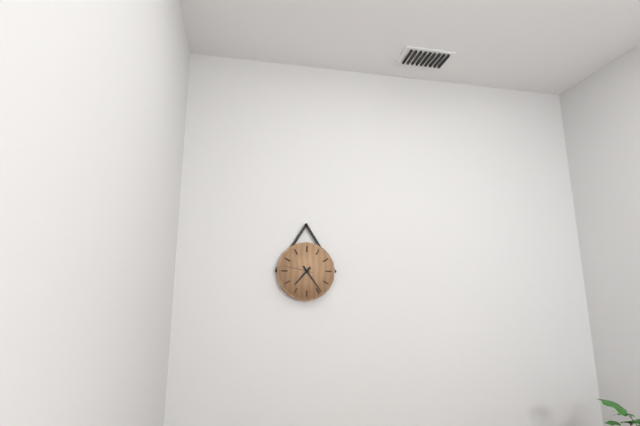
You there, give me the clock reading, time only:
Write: 7:24
